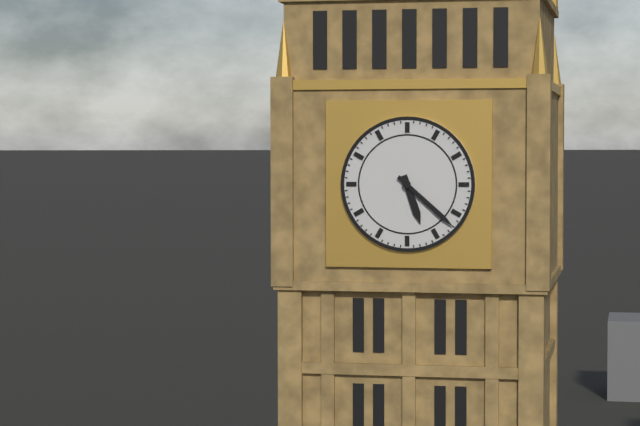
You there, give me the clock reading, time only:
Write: 5:22
